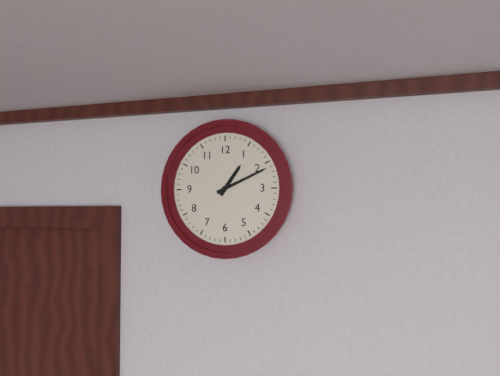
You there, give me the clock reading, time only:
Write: 1:11
